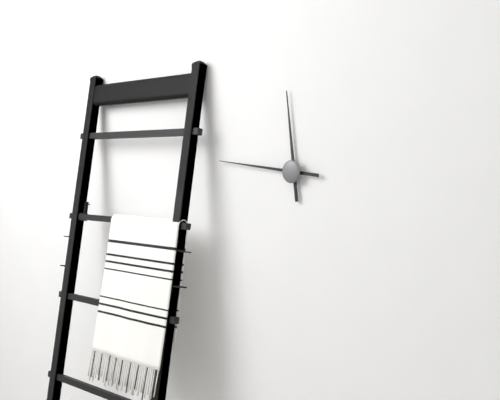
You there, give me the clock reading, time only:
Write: 11:46
